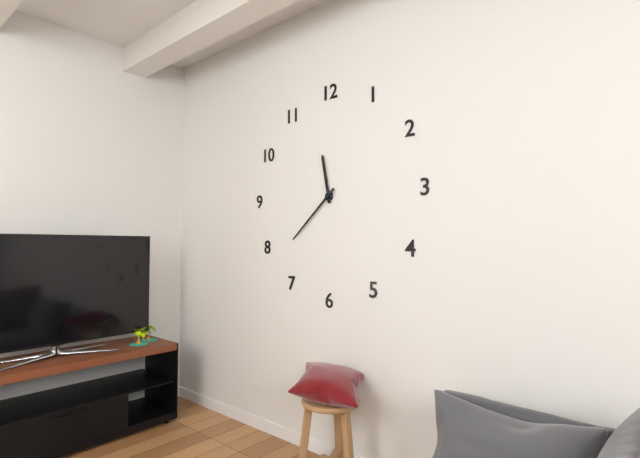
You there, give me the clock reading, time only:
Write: 11:38
